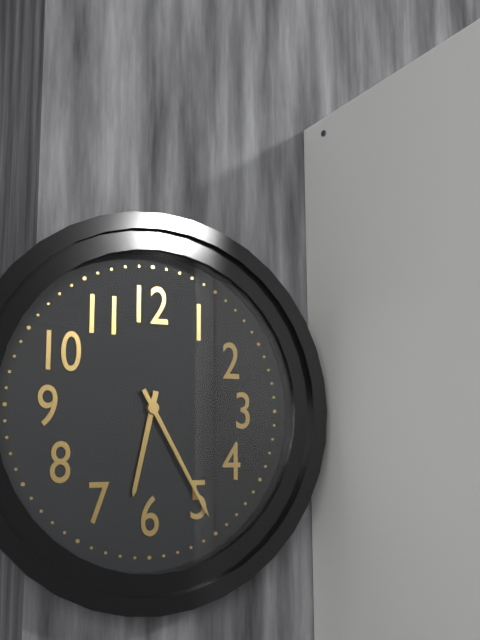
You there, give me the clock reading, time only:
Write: 6:25
